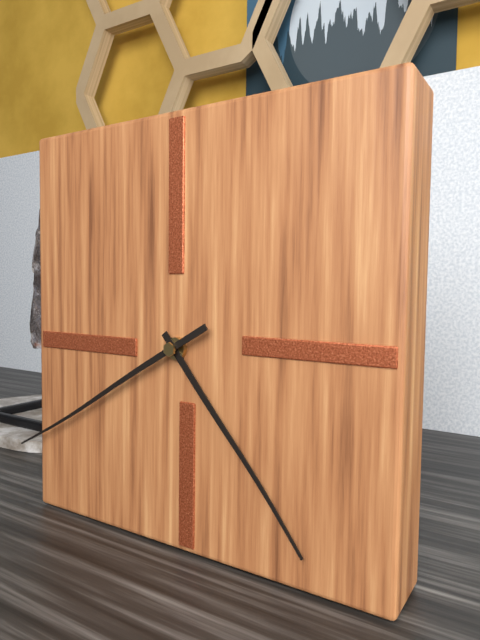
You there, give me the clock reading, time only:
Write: 4:40
